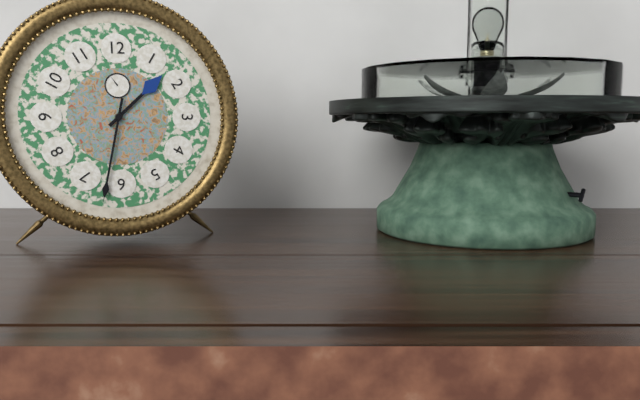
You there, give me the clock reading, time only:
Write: 1:32
